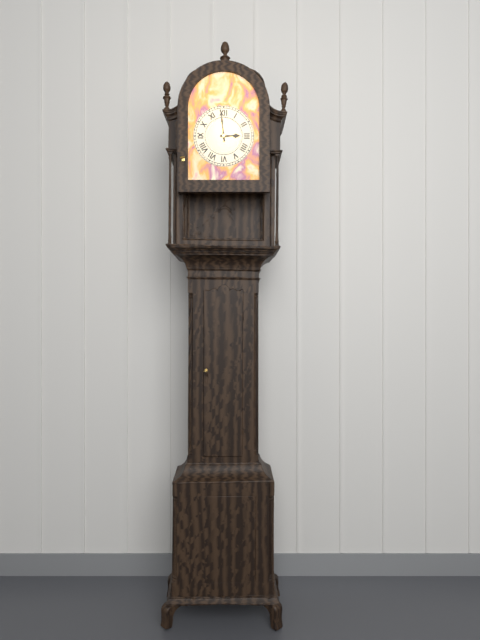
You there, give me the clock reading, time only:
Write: 2:59
